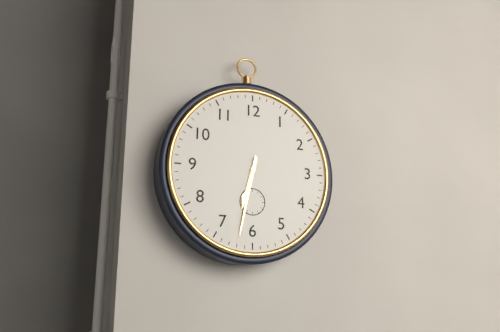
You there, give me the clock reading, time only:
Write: 6:32
